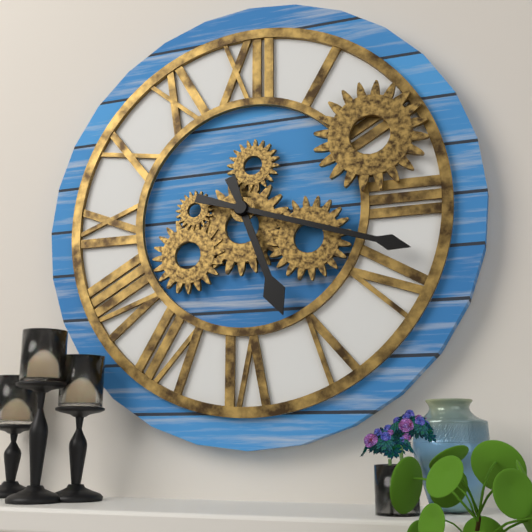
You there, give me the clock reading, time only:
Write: 5:18
